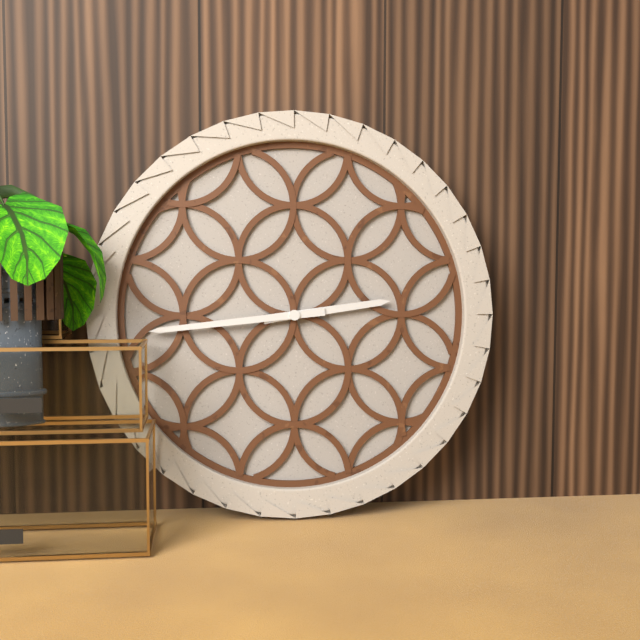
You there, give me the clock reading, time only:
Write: 2:44
